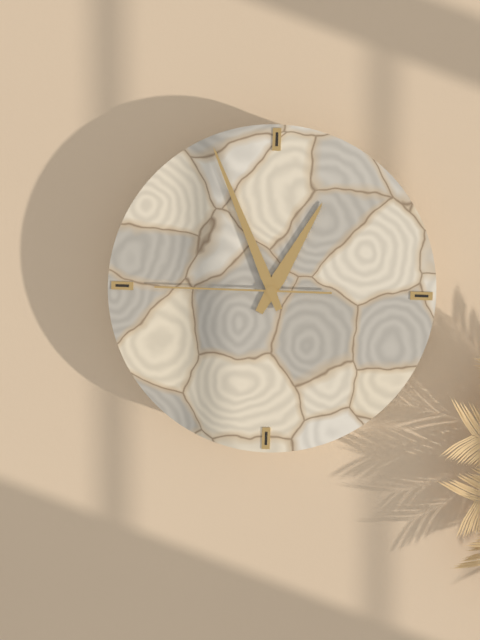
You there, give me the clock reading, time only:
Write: 12:56:45
